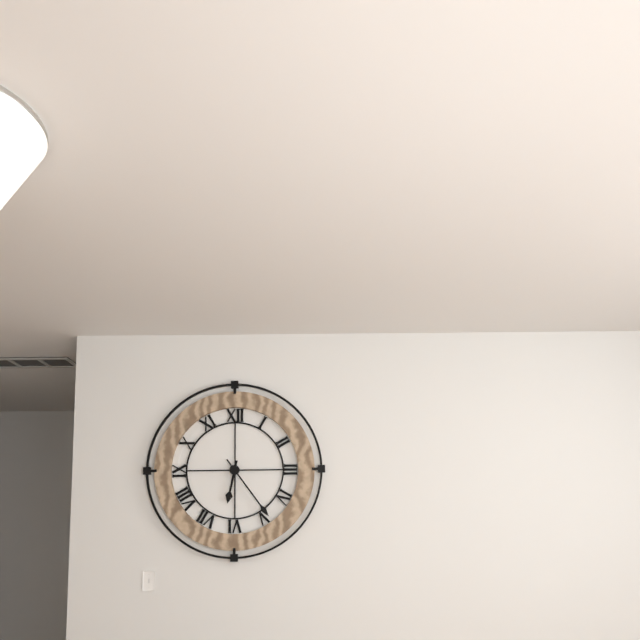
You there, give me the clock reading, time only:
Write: 6:24
